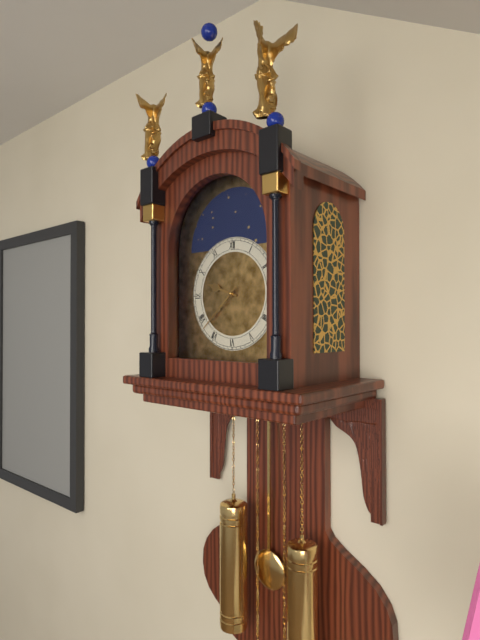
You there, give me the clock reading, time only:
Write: 9:38
